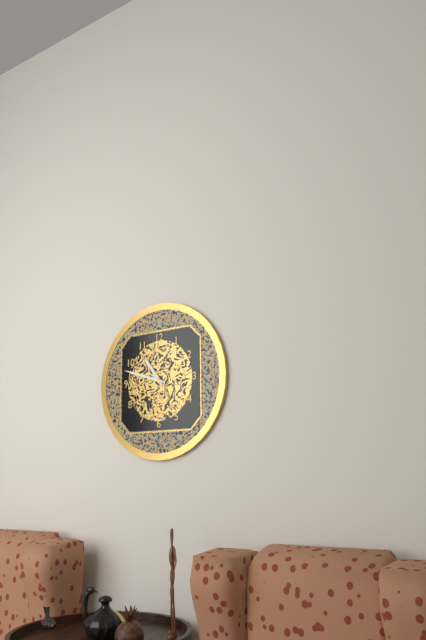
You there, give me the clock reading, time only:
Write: 10:48
